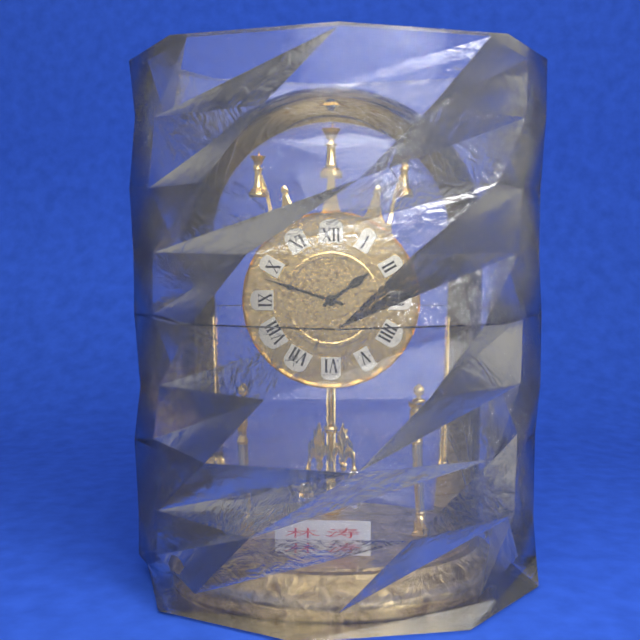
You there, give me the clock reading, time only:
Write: 1:48
